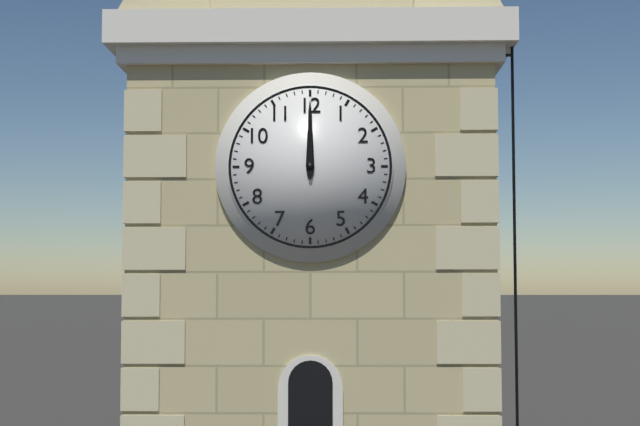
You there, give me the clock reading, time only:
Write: 12:00
